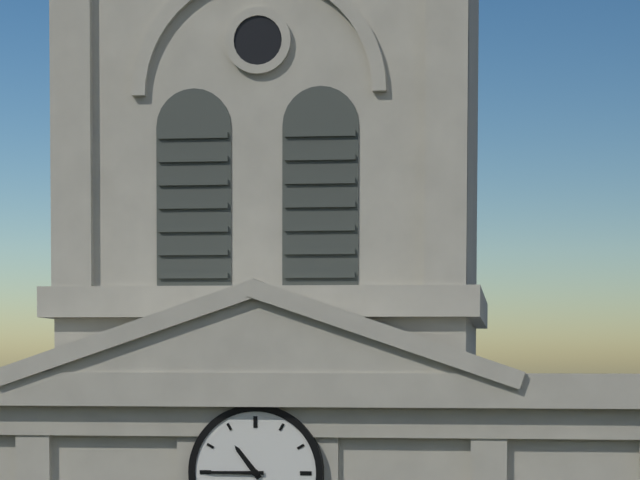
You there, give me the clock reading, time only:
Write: 10:45
